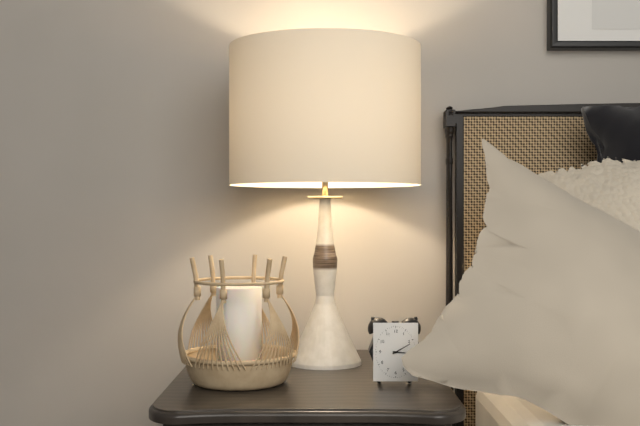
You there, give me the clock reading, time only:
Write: 3:10
